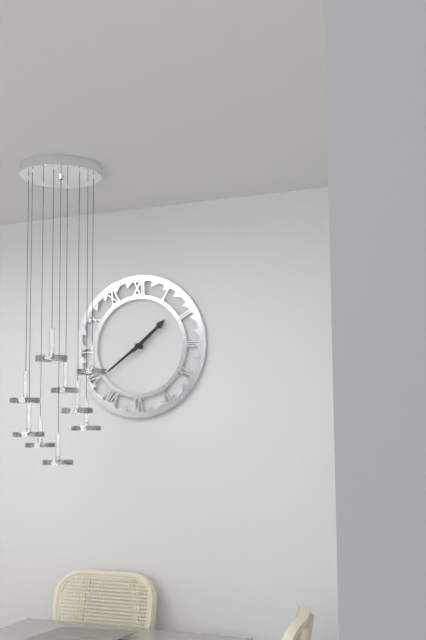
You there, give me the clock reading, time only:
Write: 1:39
